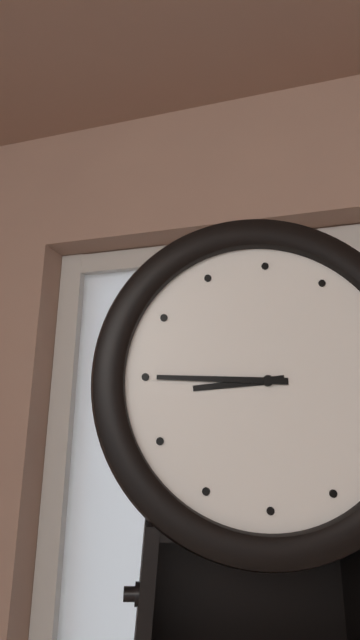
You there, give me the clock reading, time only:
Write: 8:45
